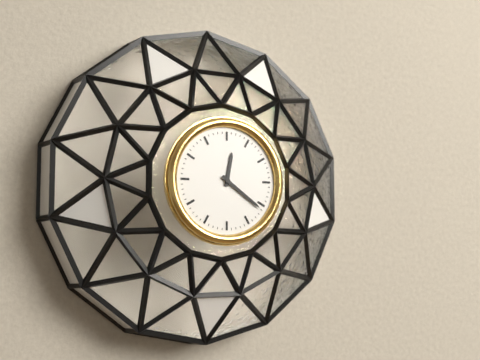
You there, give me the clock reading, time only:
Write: 12:21
